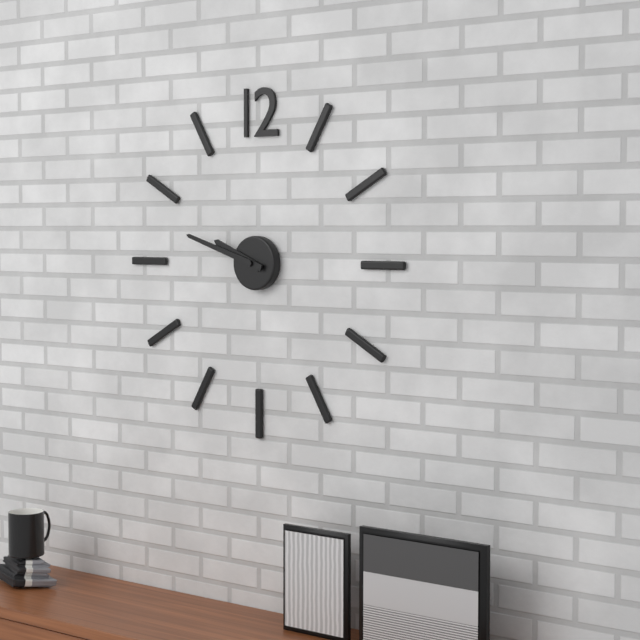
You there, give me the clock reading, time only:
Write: 9:48
